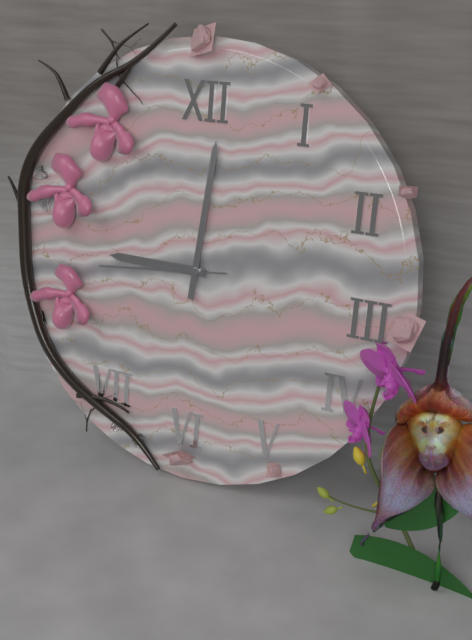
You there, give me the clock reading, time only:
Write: 9:01:44
